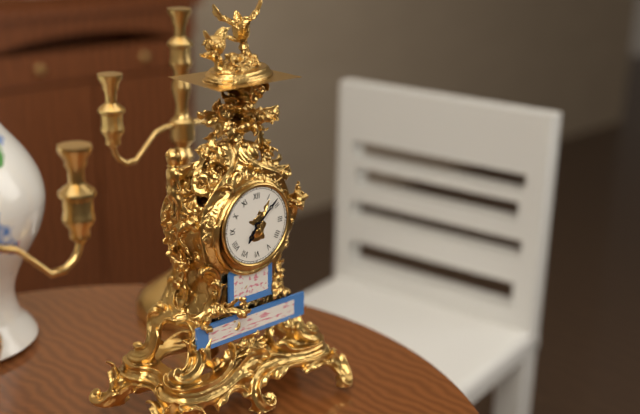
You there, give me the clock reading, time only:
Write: 7:08
